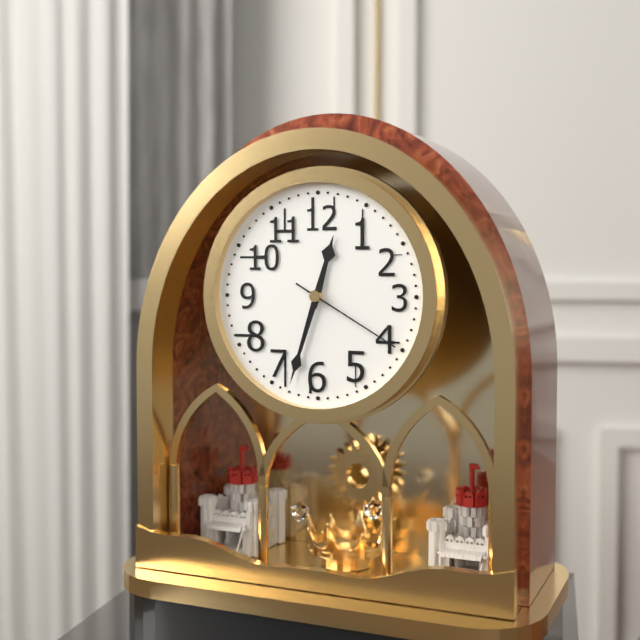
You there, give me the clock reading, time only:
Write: 12:33:20
